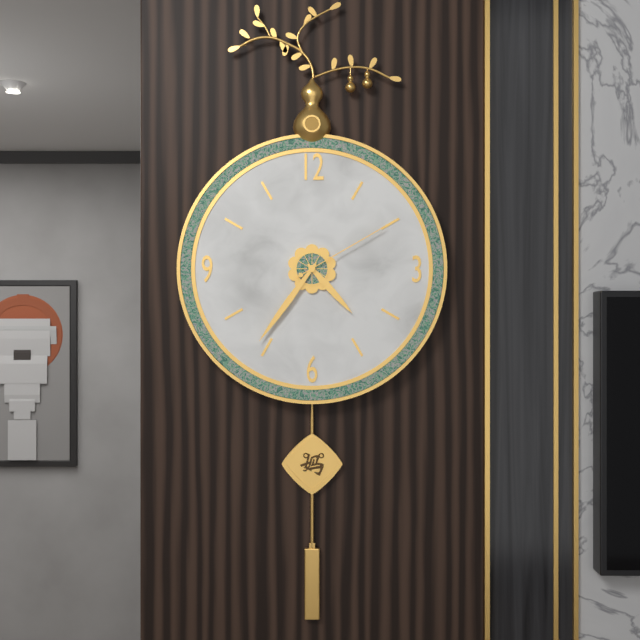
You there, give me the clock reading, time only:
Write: 4:36:10
